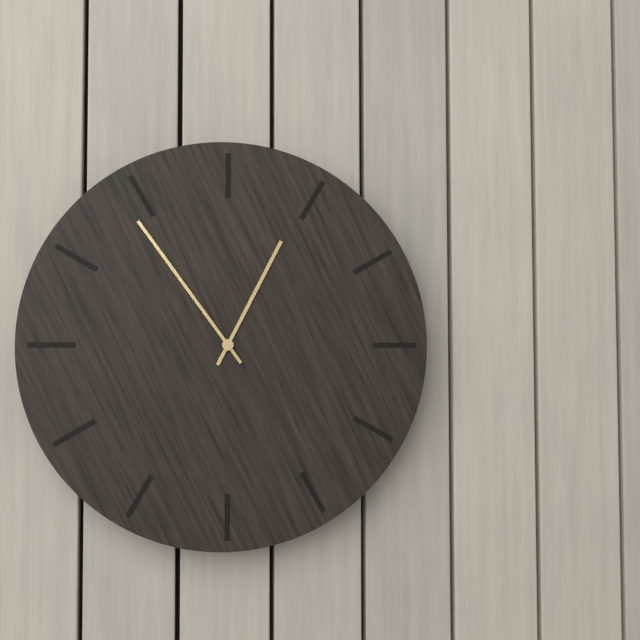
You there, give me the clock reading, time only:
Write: 12:54
